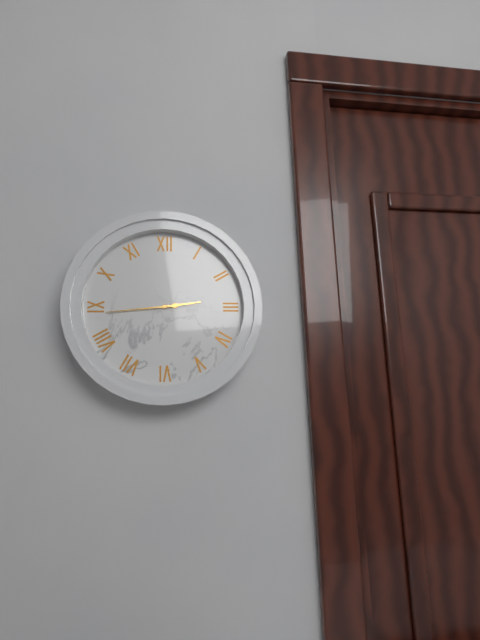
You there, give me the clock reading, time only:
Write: 2:44
